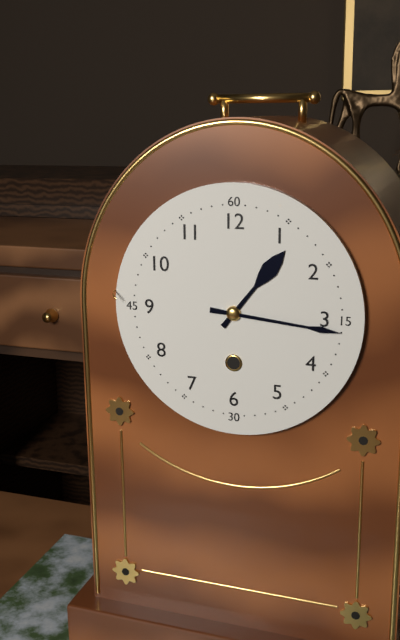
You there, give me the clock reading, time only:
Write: 1:16
